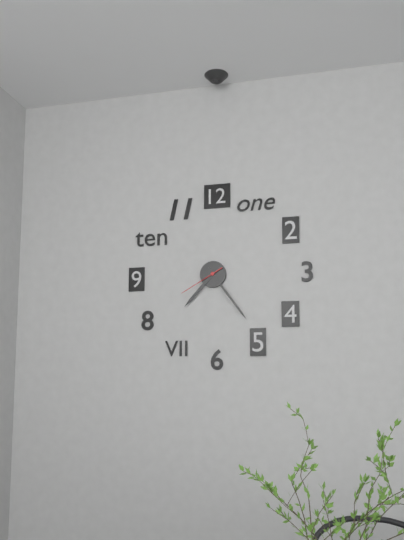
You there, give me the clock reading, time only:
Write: 7:24
